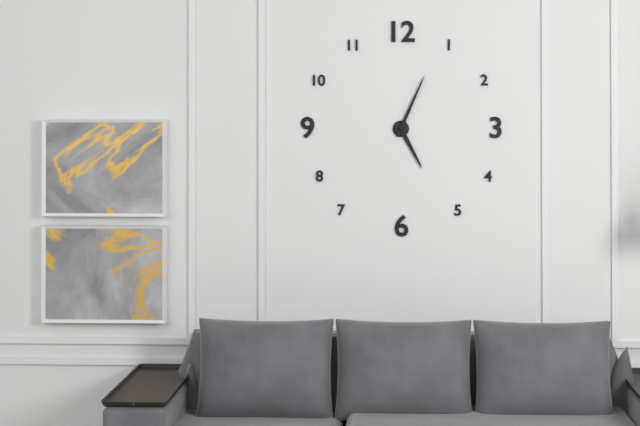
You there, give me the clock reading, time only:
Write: 5:04
